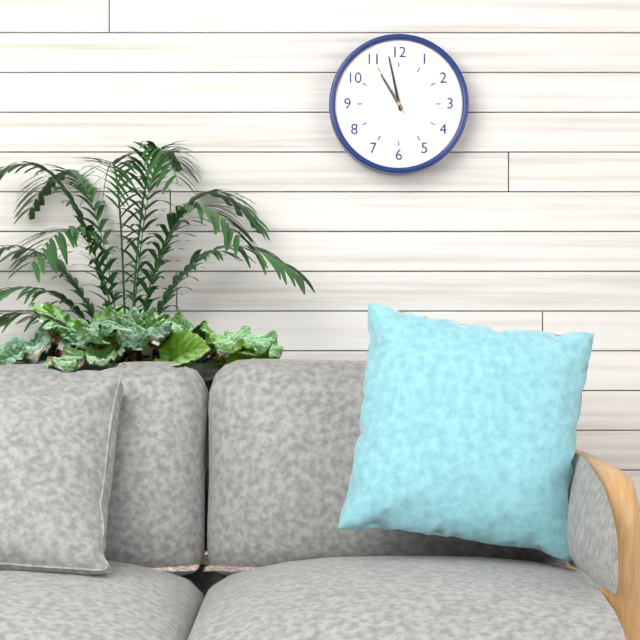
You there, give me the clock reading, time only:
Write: 10:58:55
